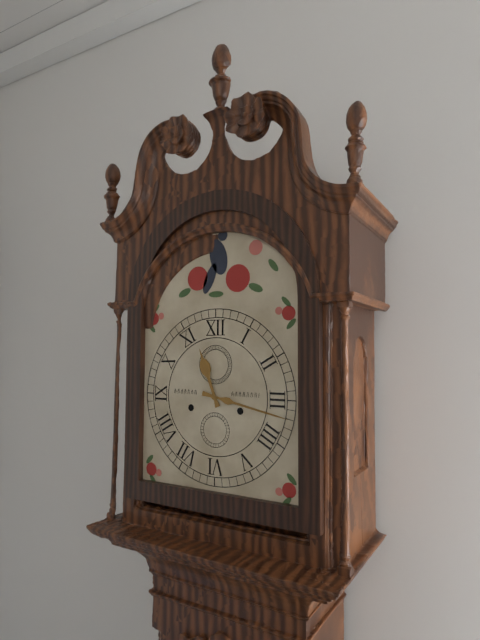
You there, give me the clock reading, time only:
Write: 11:17
